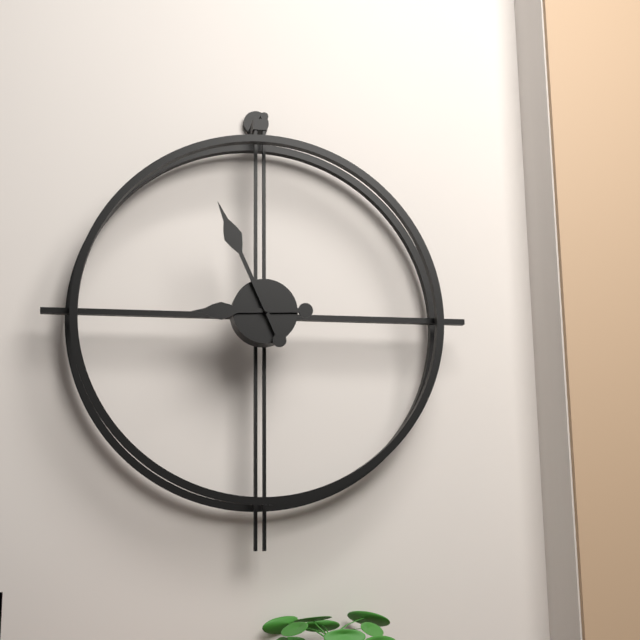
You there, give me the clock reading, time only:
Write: 8:56
